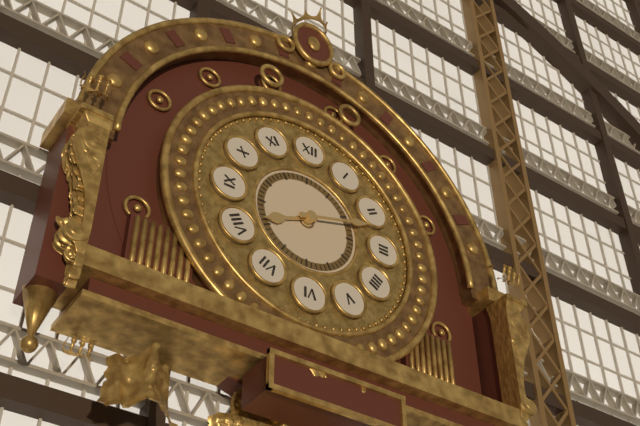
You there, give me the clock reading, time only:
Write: 8:12
